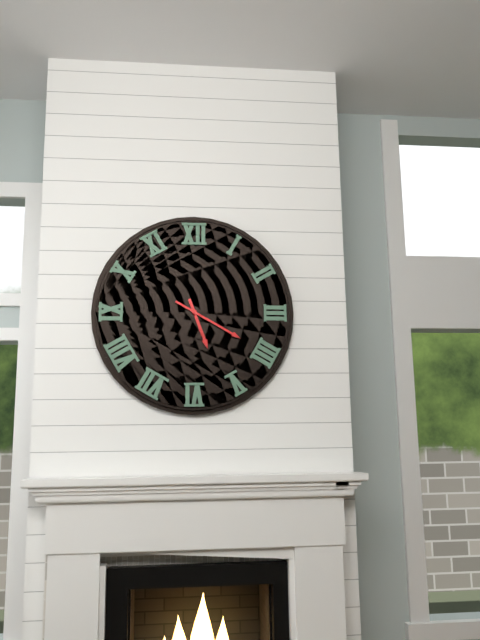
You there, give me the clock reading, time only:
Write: 5:20
